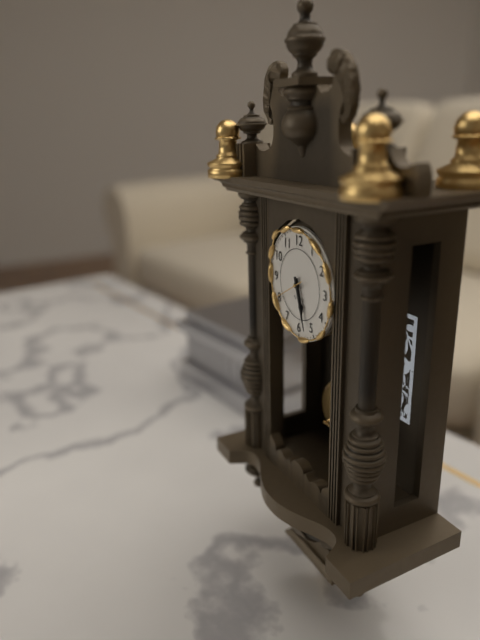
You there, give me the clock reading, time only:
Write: 5:27
